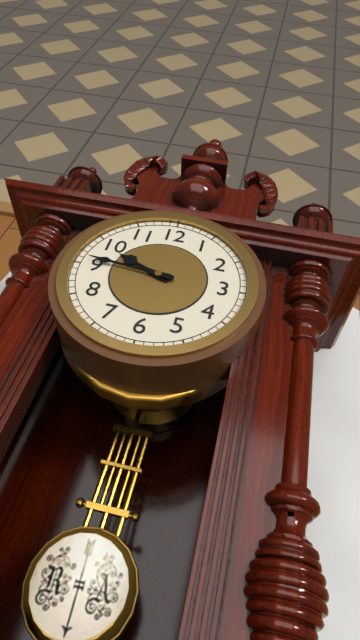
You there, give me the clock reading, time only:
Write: 9:46
